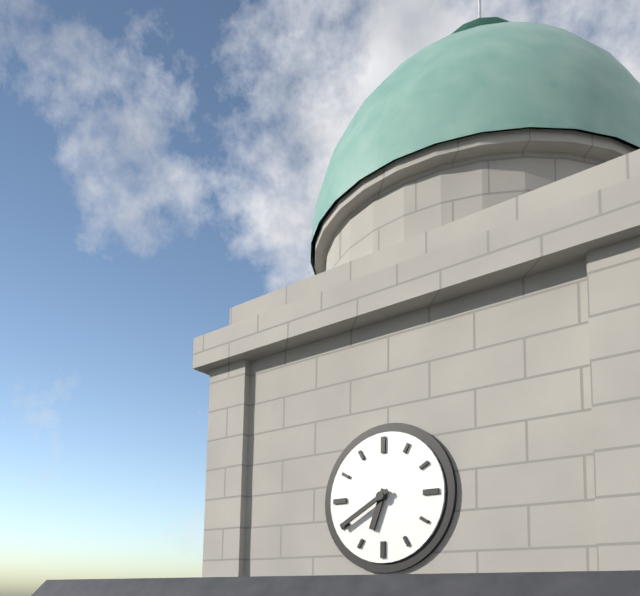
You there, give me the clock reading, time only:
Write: 6:40
